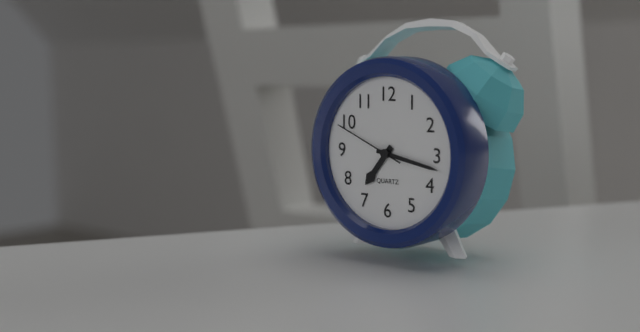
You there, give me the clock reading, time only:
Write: 7:17:49
